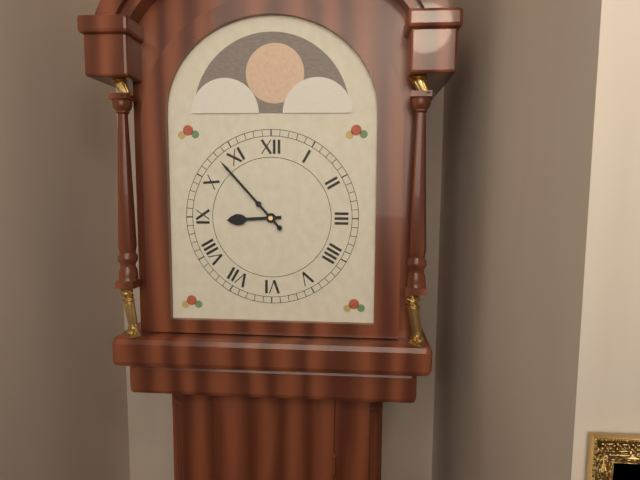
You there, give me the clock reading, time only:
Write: 8:53
